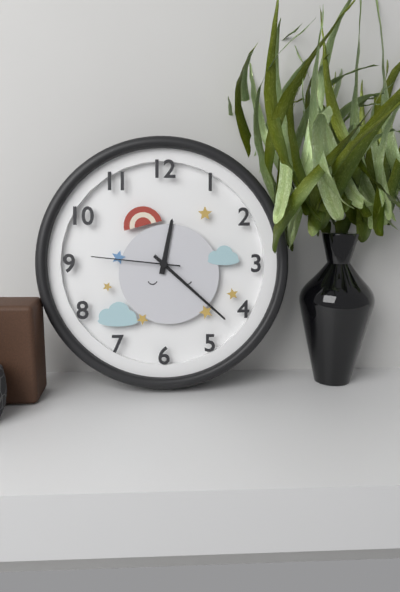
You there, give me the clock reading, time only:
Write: 12:22:46
